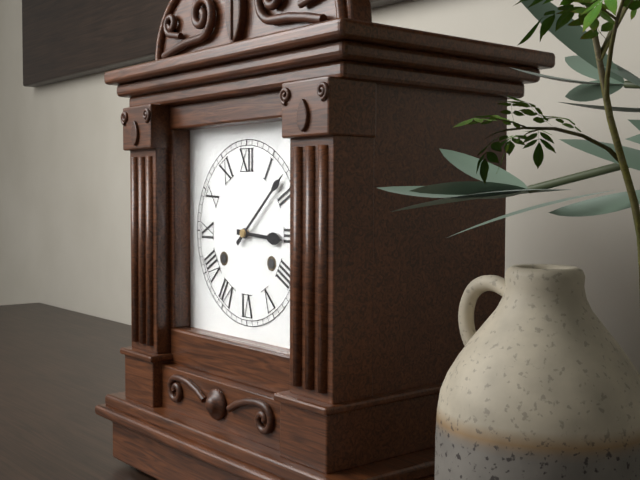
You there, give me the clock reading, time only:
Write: 3:08
